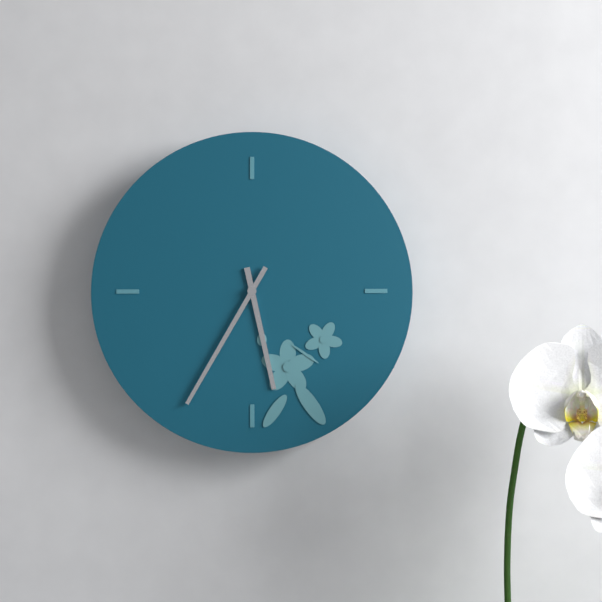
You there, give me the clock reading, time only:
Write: 5:35
